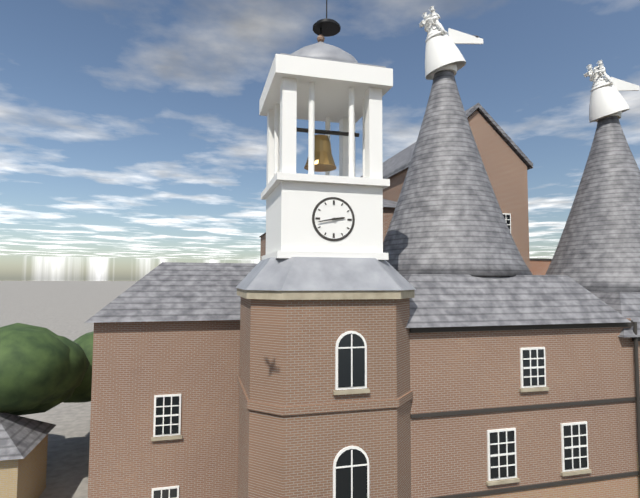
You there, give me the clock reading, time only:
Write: 2:43
